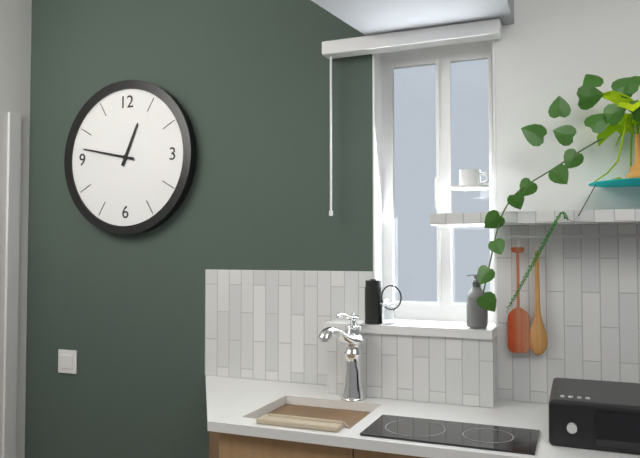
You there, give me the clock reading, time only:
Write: 12:47
